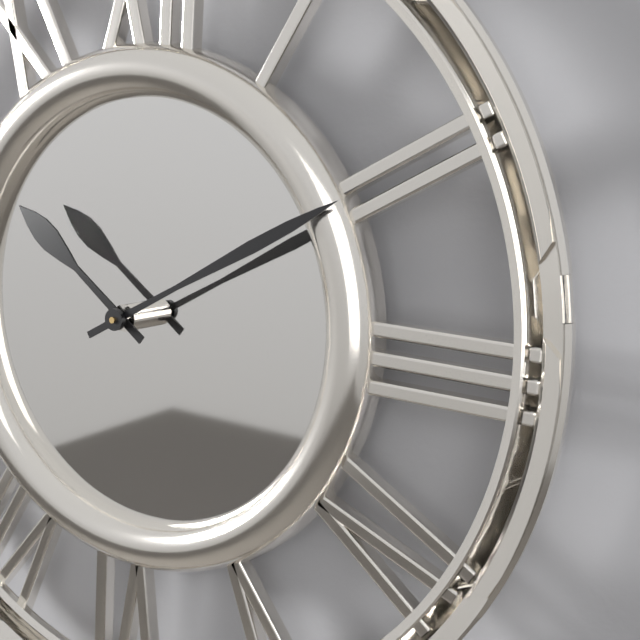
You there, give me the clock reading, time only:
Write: 10:10
